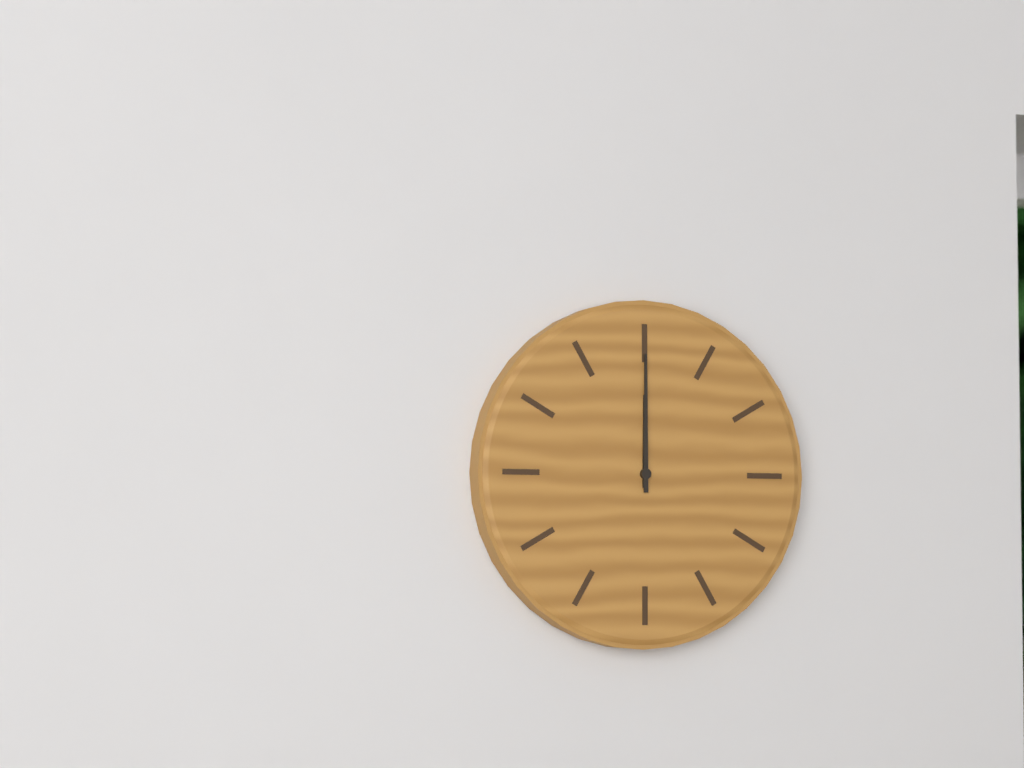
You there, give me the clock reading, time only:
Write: 12:00
